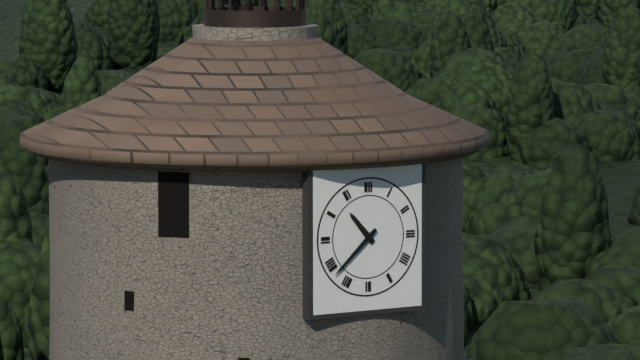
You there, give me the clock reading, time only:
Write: 10:38
